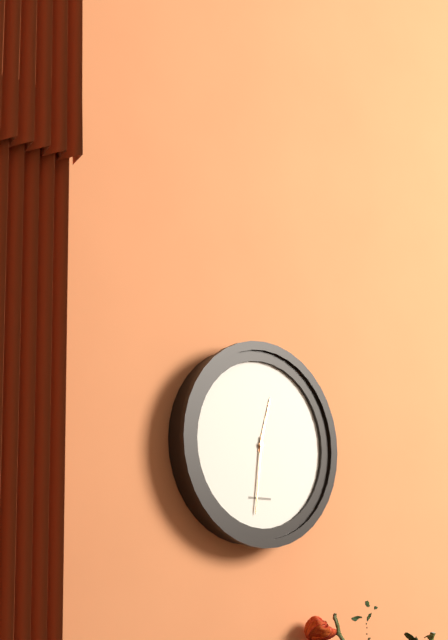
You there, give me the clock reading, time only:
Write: 12:31
